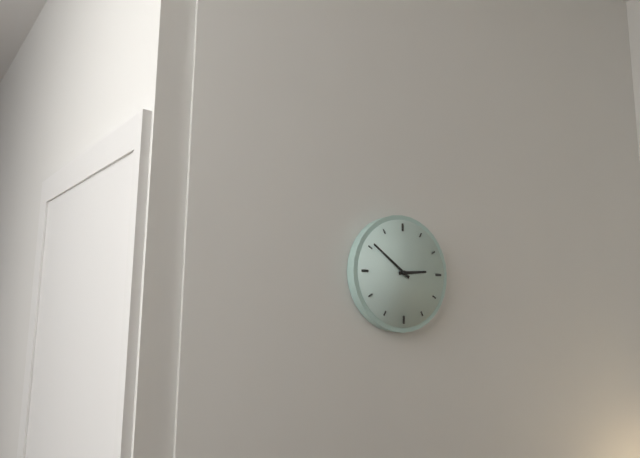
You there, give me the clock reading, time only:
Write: 2:51
